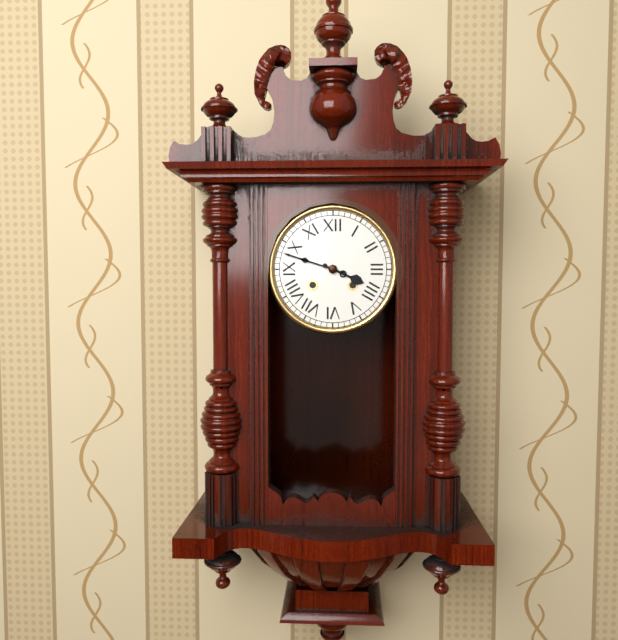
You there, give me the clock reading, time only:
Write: 3:48
